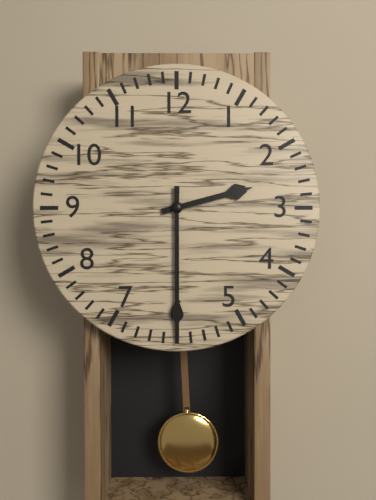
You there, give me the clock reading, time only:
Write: 2:30
